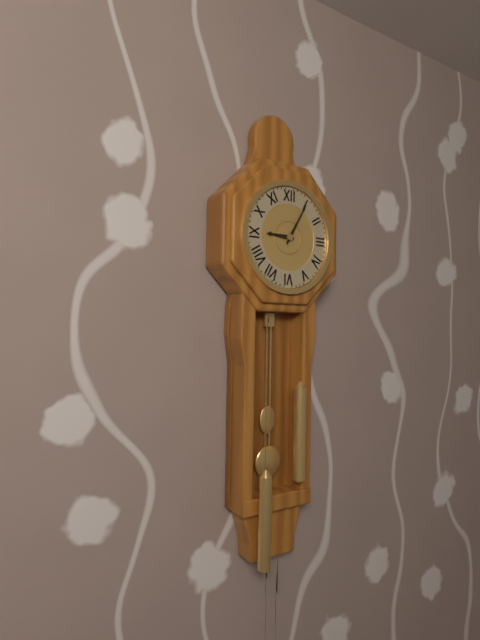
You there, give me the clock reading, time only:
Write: 9:05
